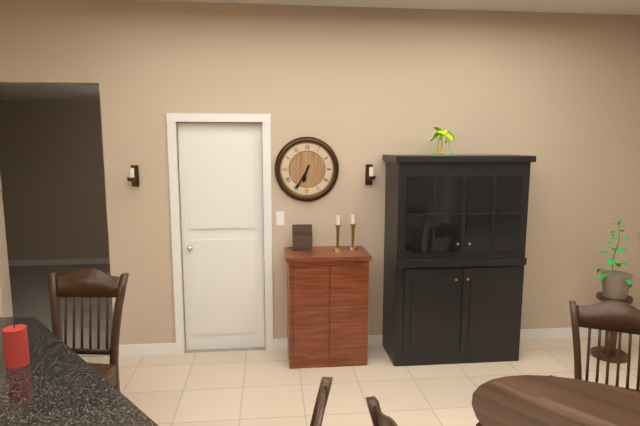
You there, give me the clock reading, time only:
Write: 6:35
